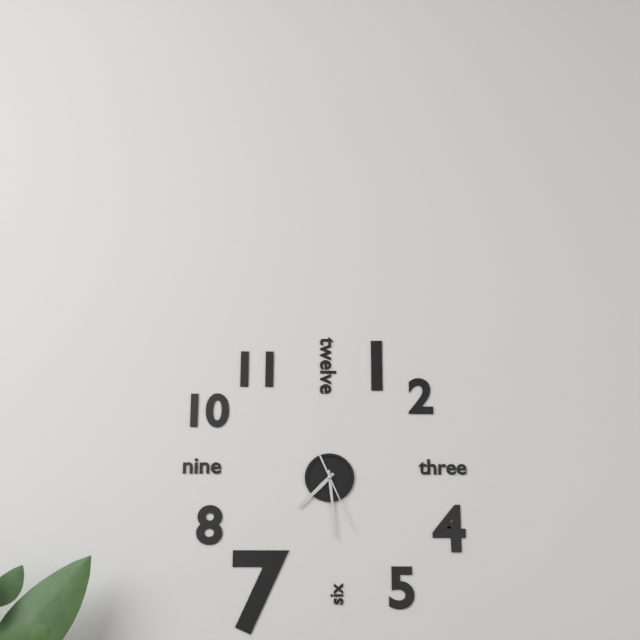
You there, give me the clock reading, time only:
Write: 7:29:26
